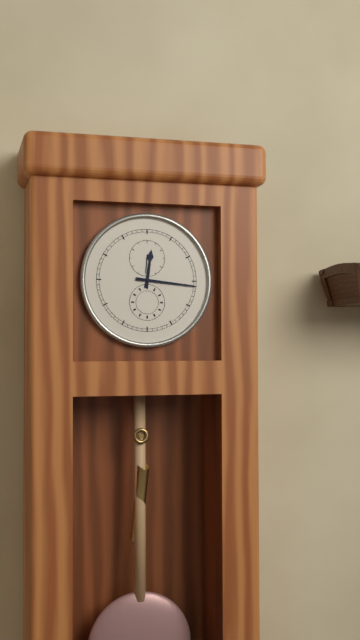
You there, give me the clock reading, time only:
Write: 12:16
